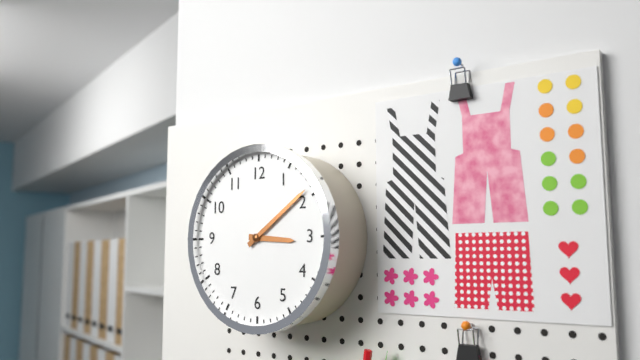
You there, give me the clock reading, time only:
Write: 3:09
